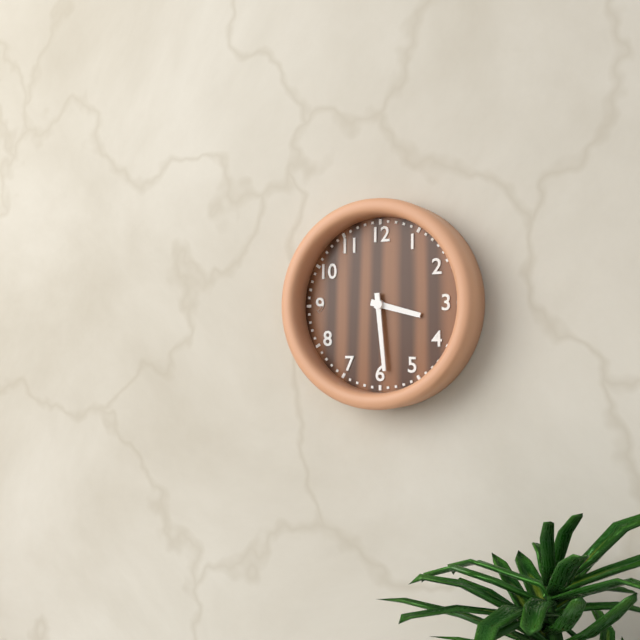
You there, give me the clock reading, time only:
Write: 3:29
